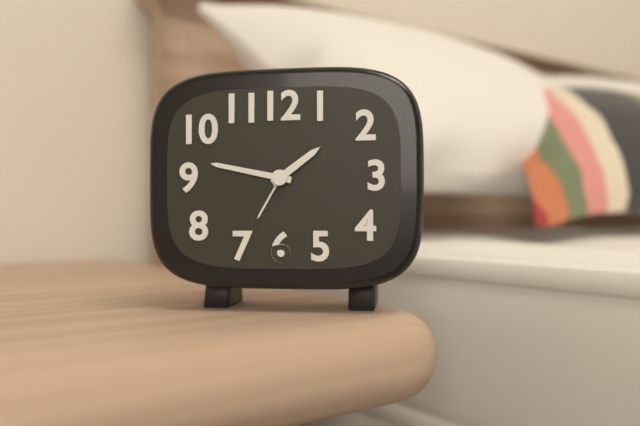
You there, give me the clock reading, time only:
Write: 1:47
